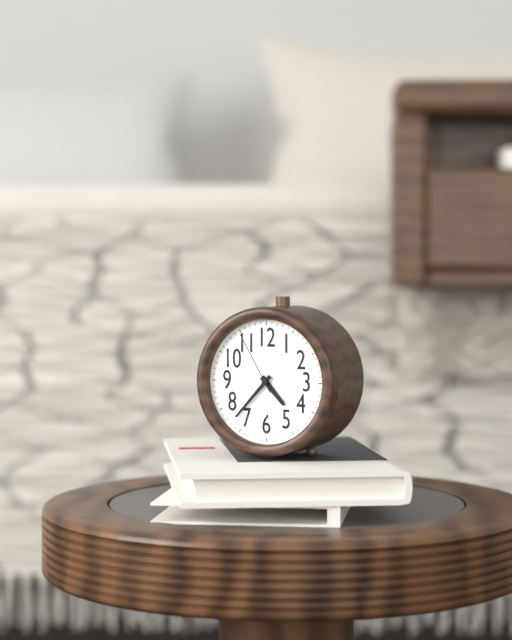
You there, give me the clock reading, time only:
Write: 4:37:55
